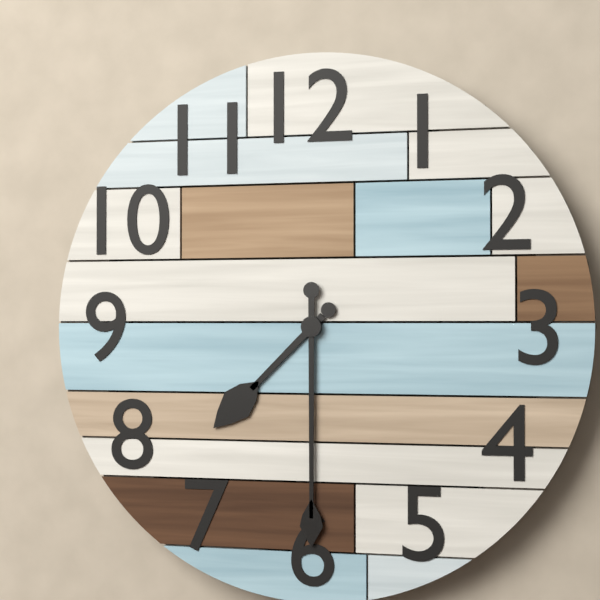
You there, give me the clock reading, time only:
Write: 7:30
